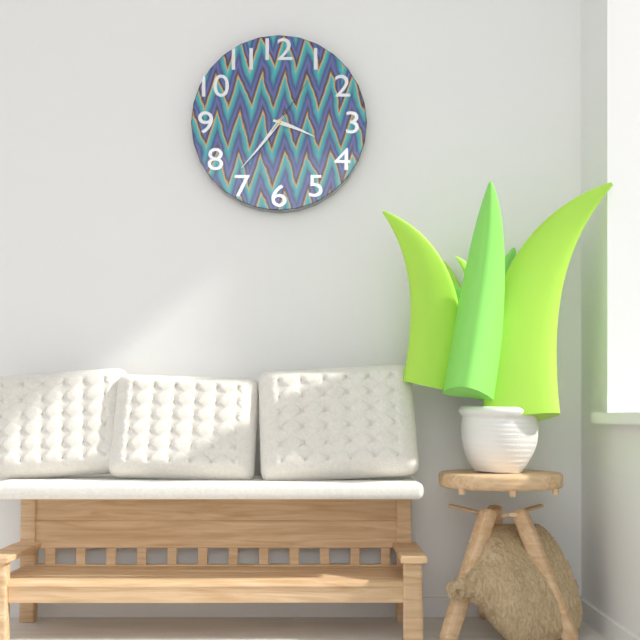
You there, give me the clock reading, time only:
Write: 3:36:06
